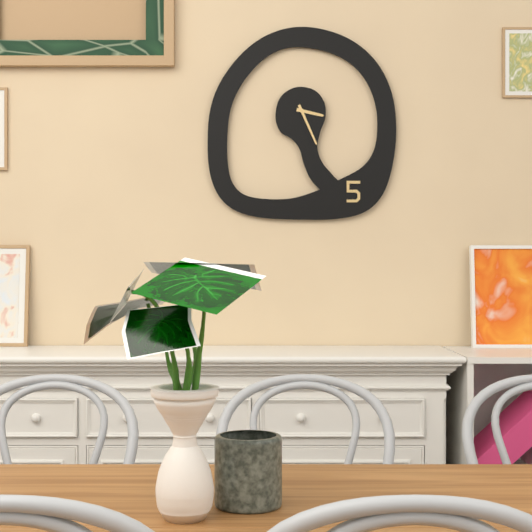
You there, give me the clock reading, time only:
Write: 3:26
